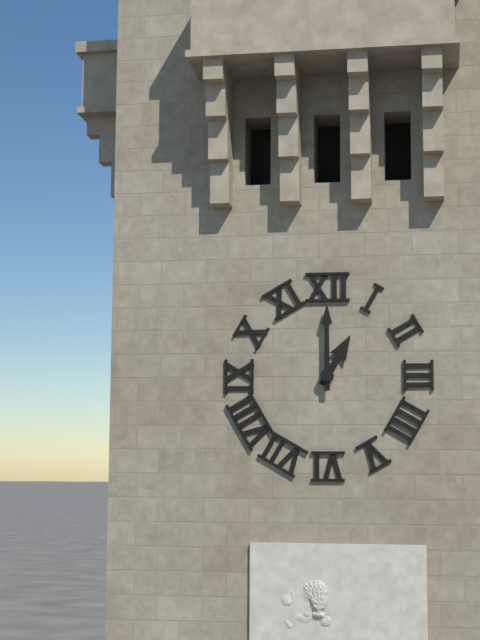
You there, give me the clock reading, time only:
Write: 1:00
